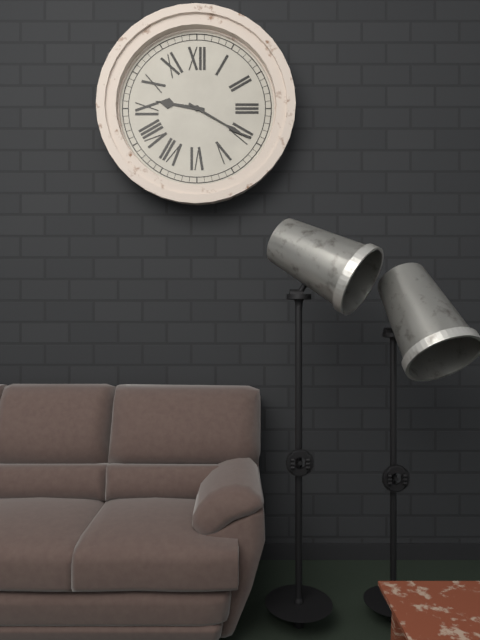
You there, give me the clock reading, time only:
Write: 9:20
